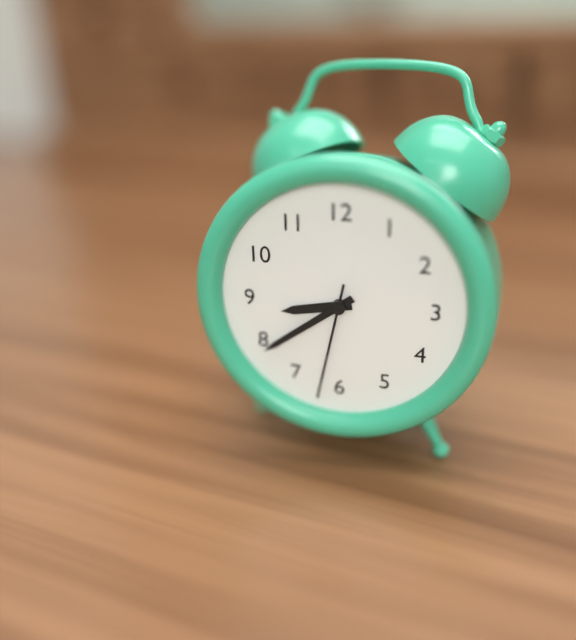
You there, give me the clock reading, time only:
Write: 8:39:32
